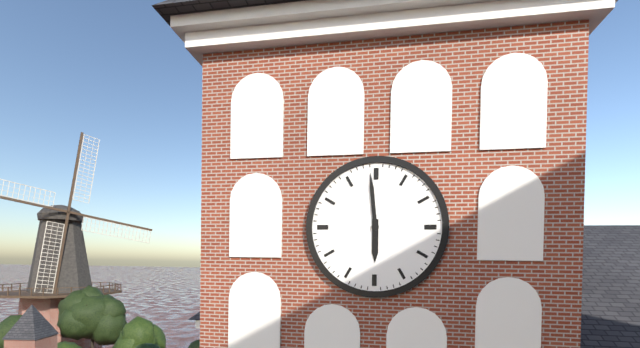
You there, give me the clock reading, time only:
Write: 5:59
